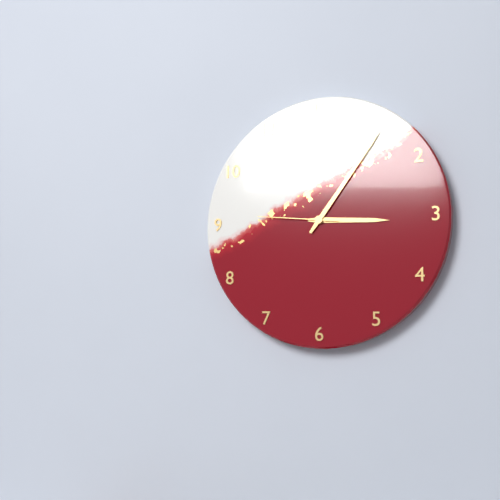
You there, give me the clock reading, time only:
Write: 3:06:46
